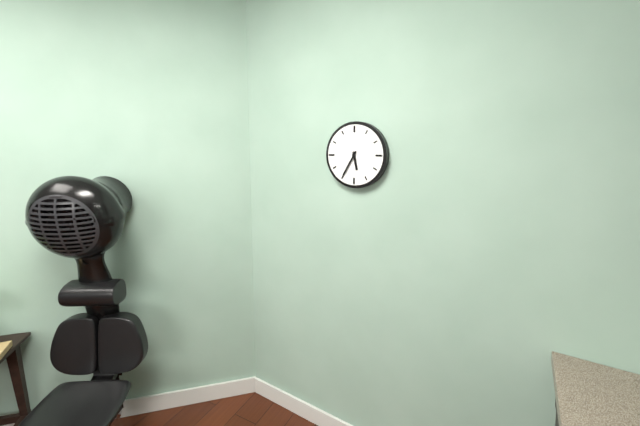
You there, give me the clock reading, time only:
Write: 5:35
